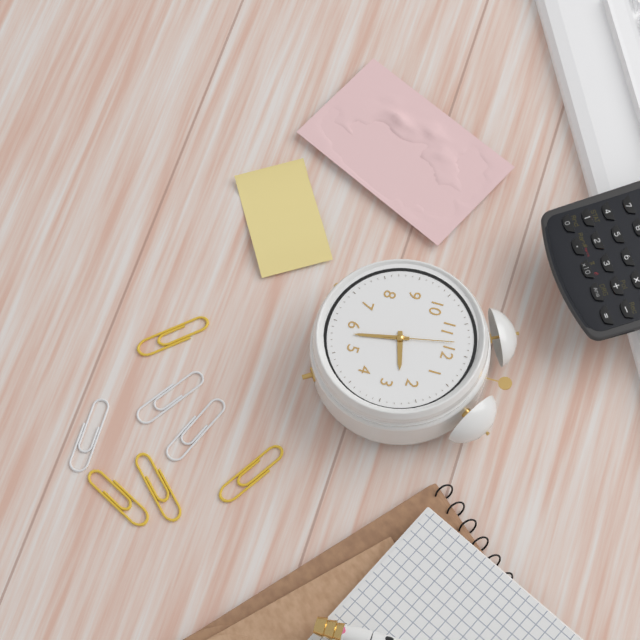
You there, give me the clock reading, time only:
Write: 2:28:58
